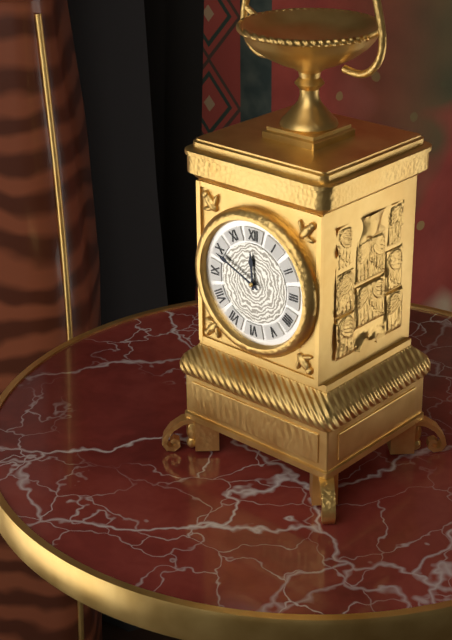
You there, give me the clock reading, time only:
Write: 11:49
